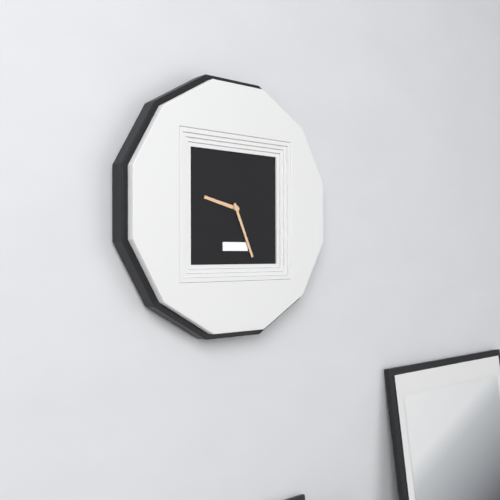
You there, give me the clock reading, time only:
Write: 9:26
